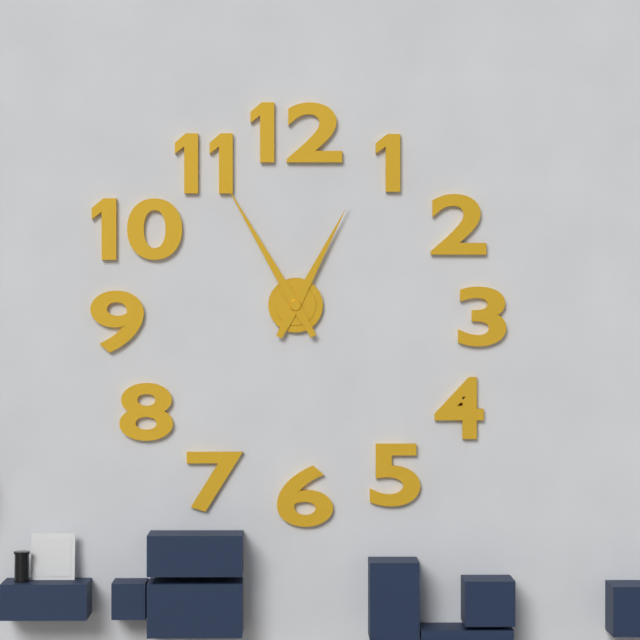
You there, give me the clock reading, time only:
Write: 12:55
